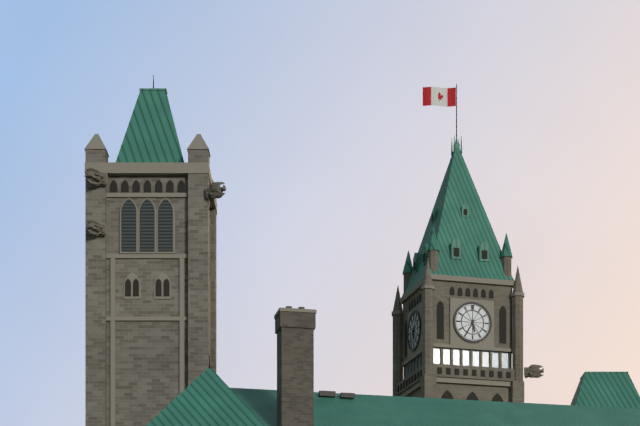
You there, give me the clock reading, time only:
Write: 5:35
